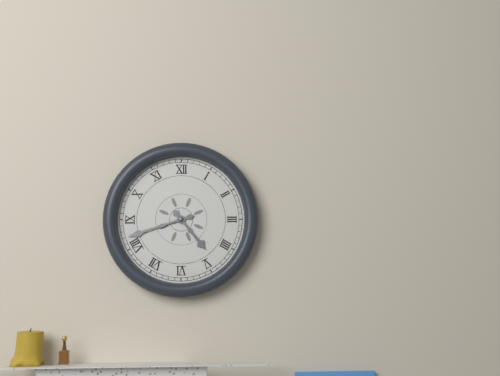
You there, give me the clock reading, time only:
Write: 4:42
